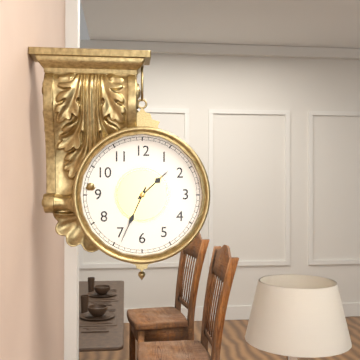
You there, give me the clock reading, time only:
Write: 1:34
